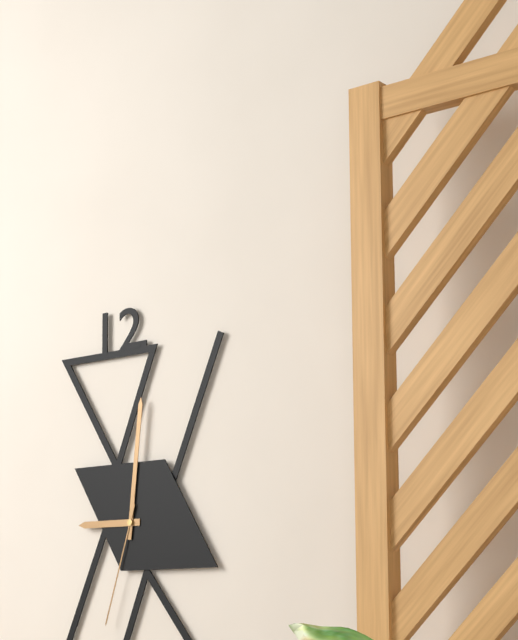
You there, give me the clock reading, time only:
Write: 9:01:33
